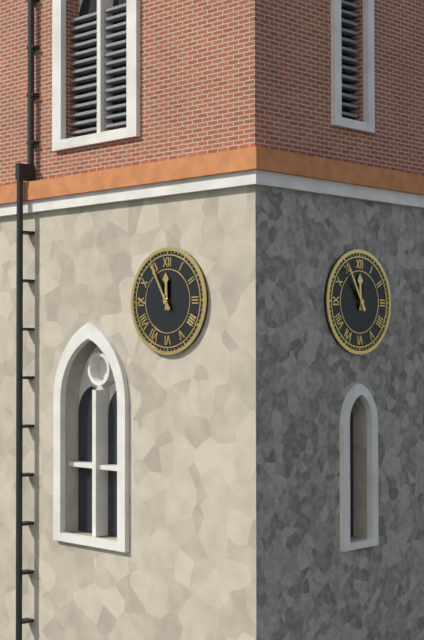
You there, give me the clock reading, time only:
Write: 11:55
